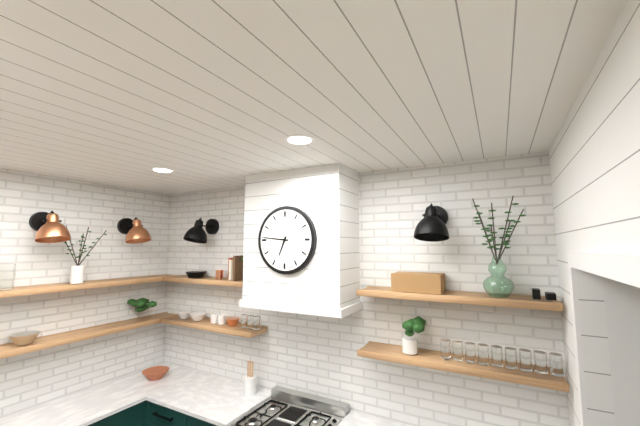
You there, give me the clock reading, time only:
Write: 6:46
